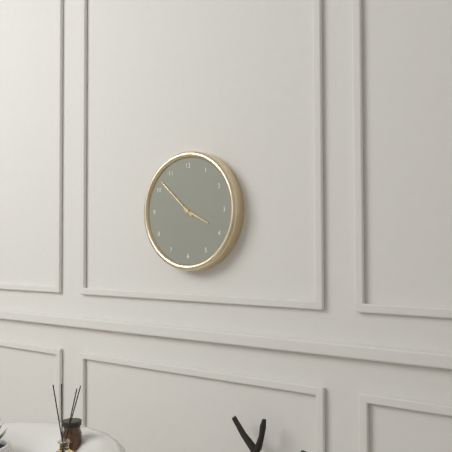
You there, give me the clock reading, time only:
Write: 3:52
